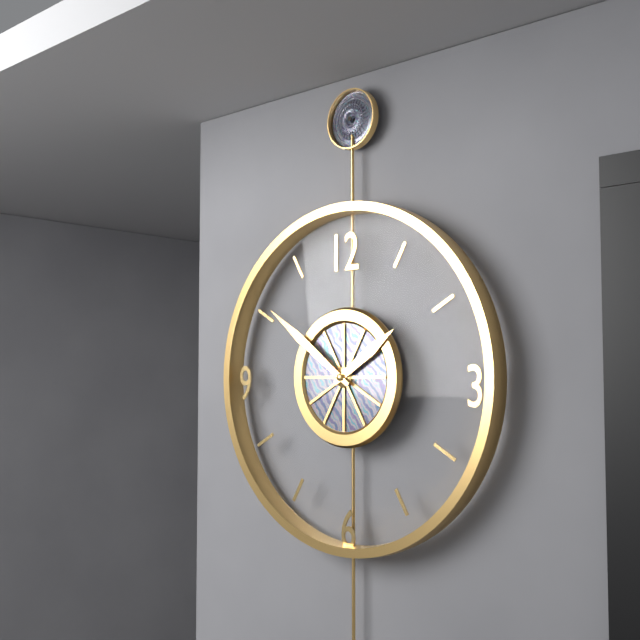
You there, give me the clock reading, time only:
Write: 1:51
